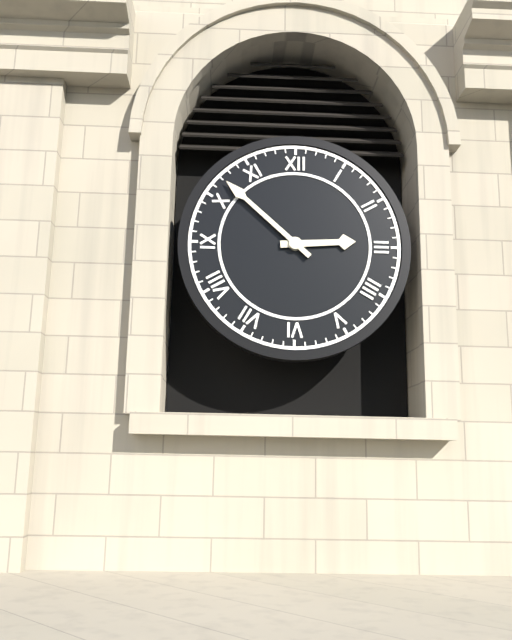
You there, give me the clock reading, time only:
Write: 2:52
